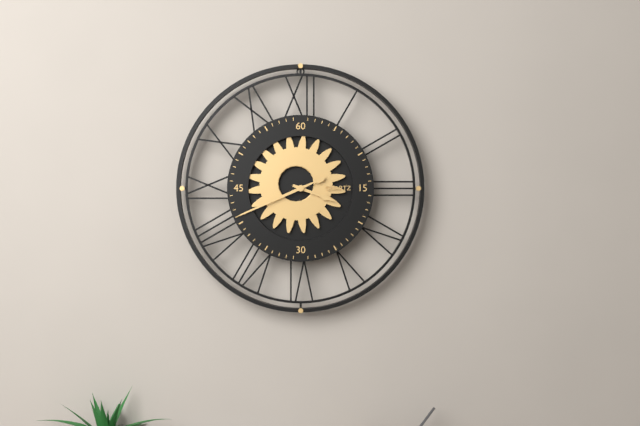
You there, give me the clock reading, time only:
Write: 3:41
